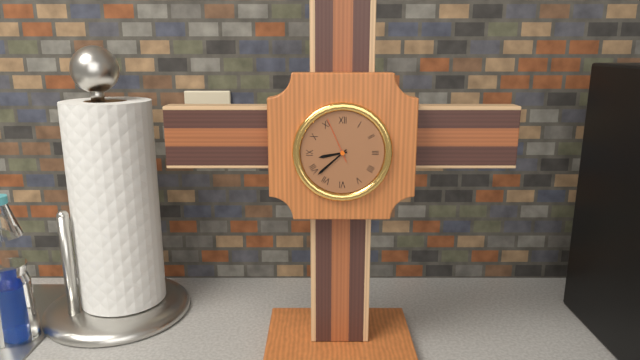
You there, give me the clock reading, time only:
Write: 8:38
